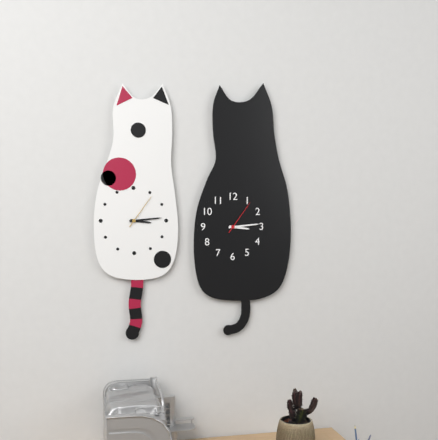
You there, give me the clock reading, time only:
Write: 3:14
